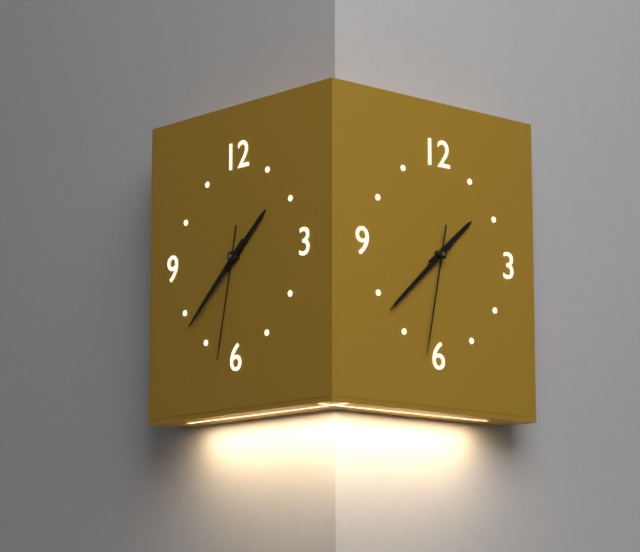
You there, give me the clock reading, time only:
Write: 1:38:32
